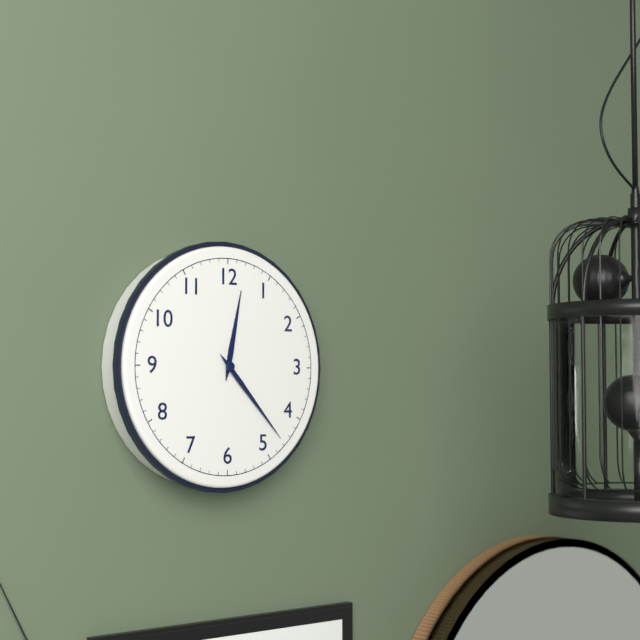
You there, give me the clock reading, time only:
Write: 12:23
